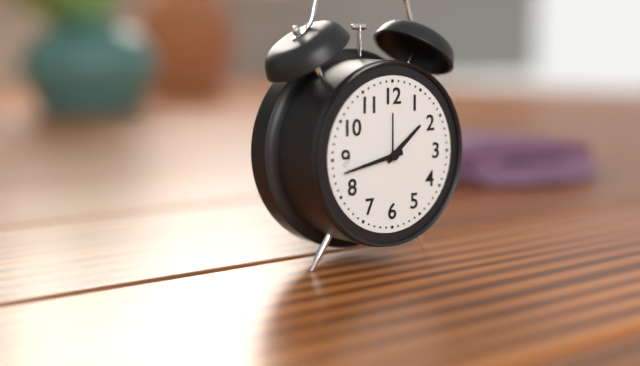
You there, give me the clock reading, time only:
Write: 1:43
